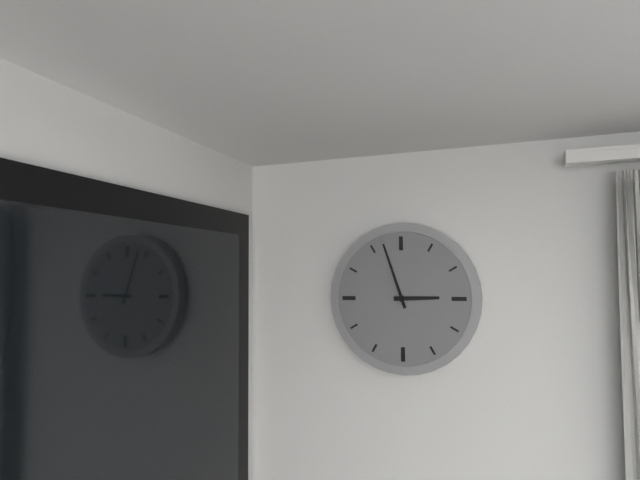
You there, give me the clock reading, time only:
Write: 2:57
